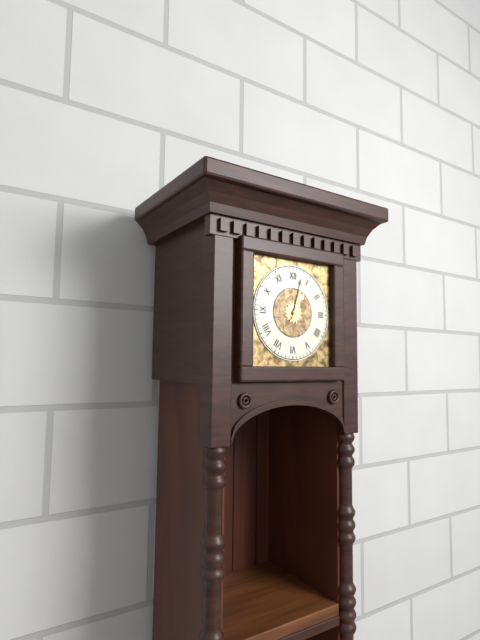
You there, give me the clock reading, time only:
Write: 1:03
